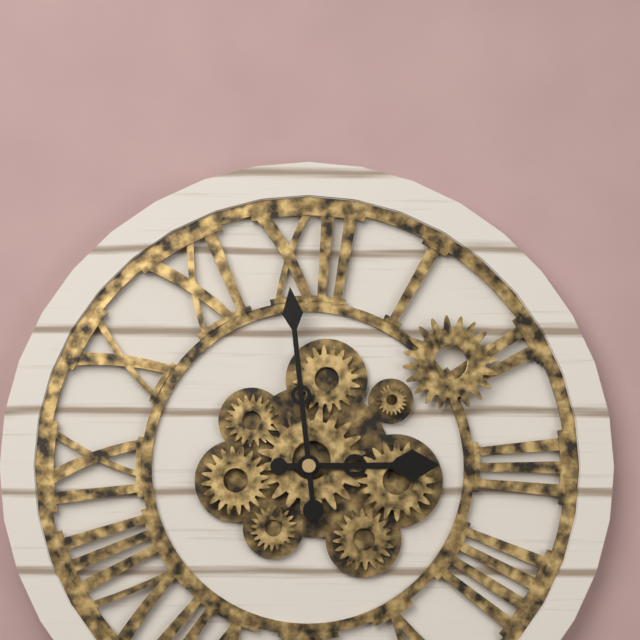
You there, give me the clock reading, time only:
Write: 2:59
